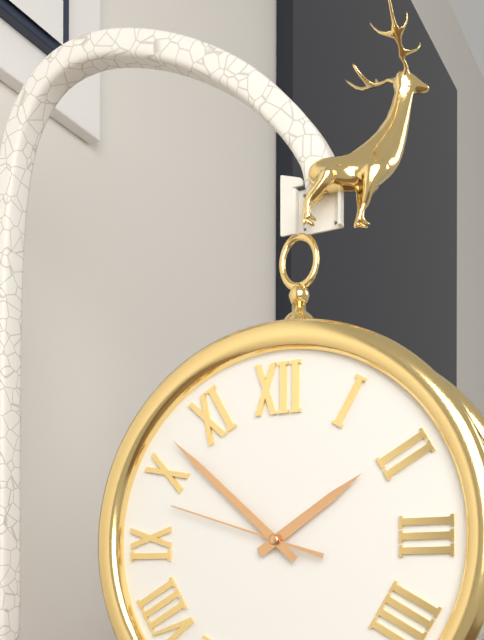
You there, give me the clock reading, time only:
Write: 1:52:48
